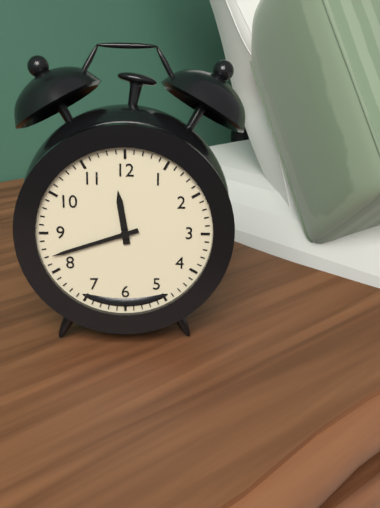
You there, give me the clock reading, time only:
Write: 11:42
